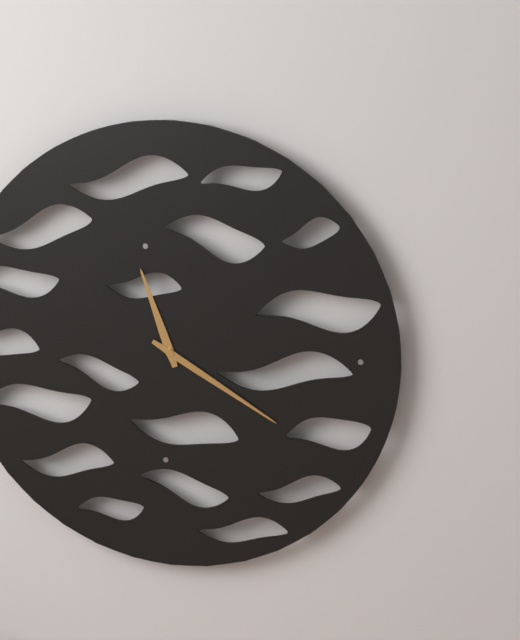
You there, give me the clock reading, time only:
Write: 11:20
